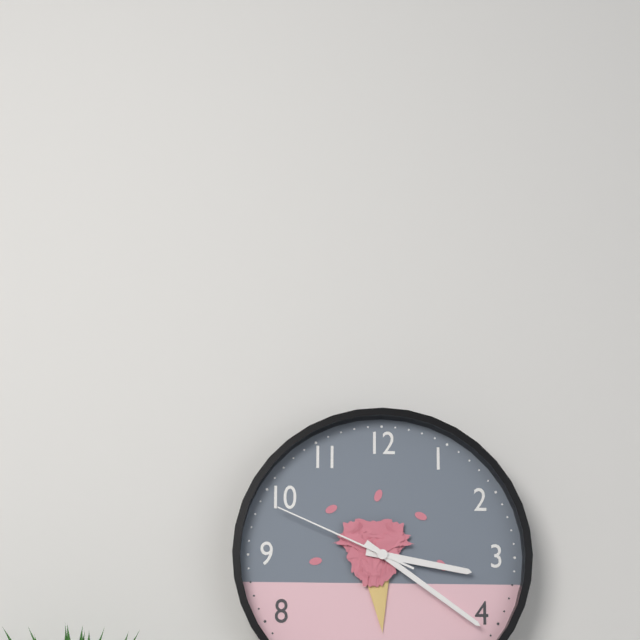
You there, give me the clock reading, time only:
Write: 3:21:49
